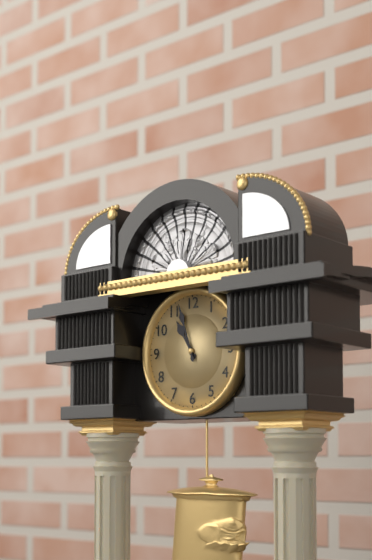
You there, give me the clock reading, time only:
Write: 10:57
